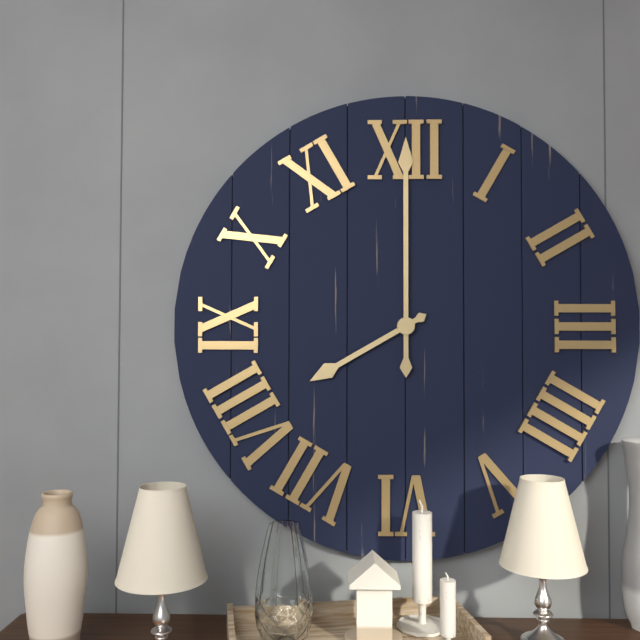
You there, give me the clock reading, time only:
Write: 8:00
